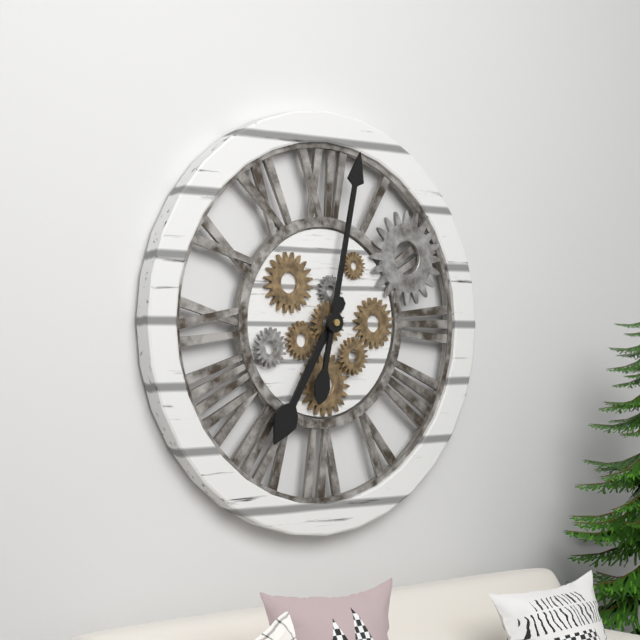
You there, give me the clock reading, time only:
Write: 7:02
